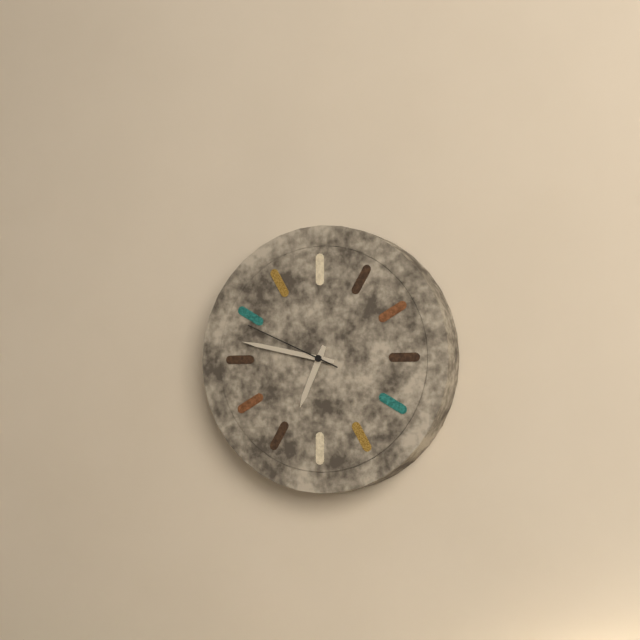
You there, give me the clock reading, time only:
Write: 6:47:49
